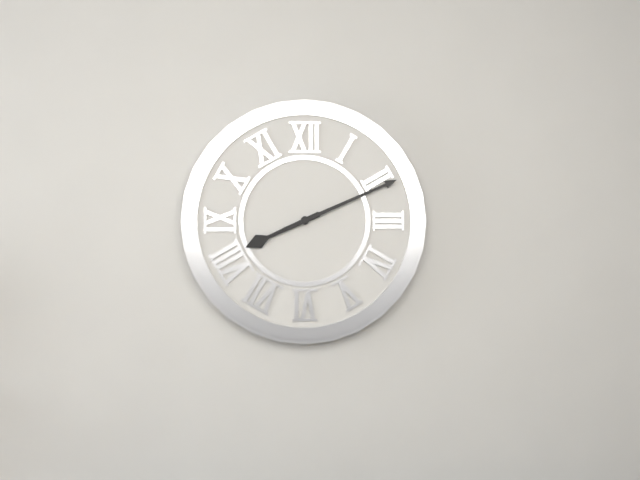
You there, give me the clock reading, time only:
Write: 8:11
